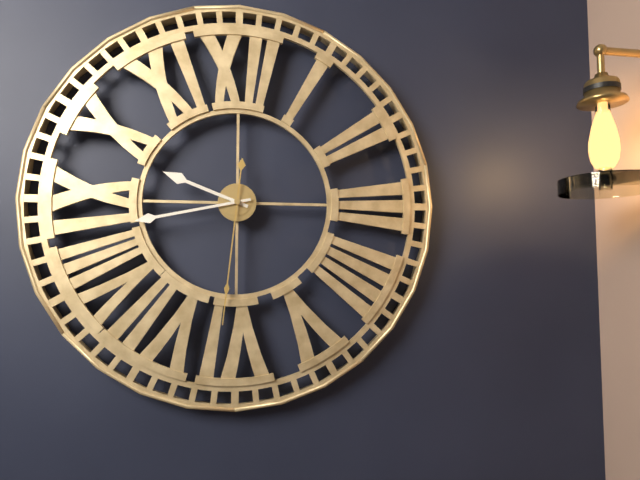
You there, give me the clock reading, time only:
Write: 9:43:31
